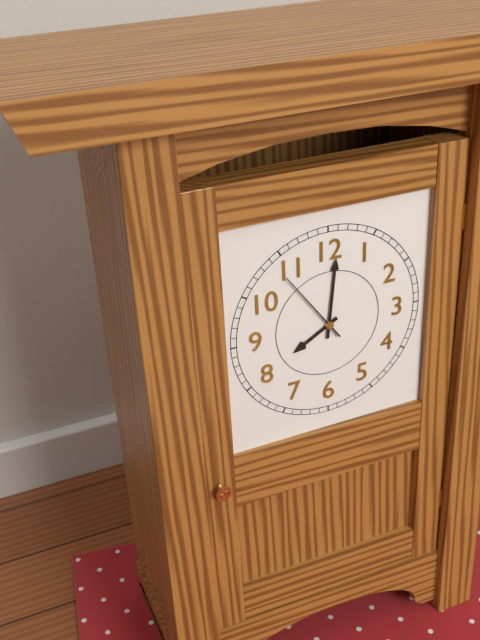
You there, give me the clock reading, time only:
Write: 8:01:54
